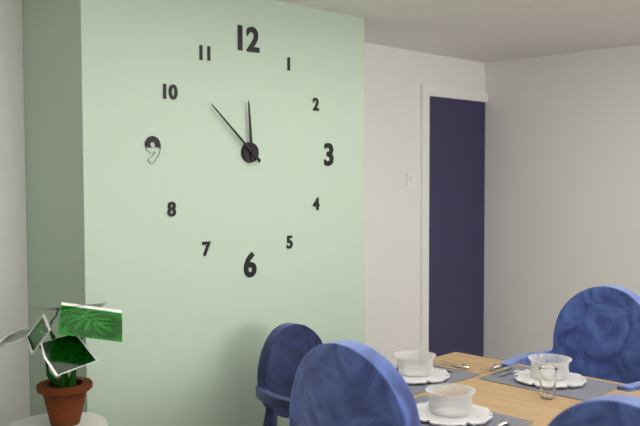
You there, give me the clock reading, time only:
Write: 11:52
